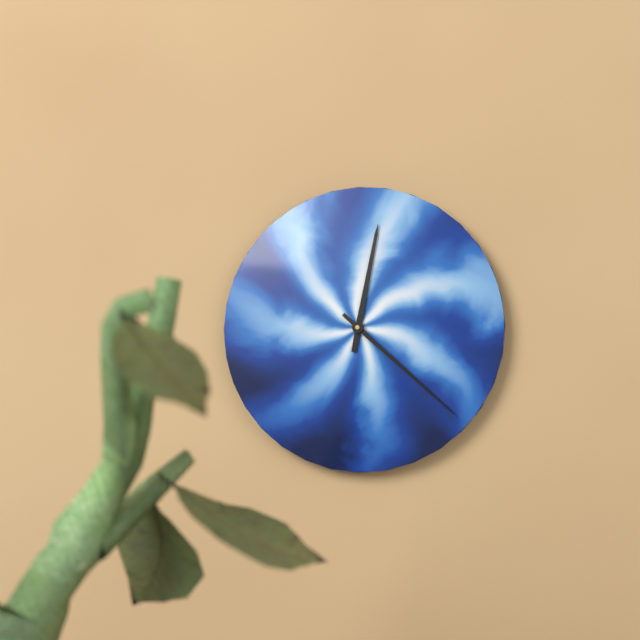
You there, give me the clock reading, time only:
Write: 12:22
